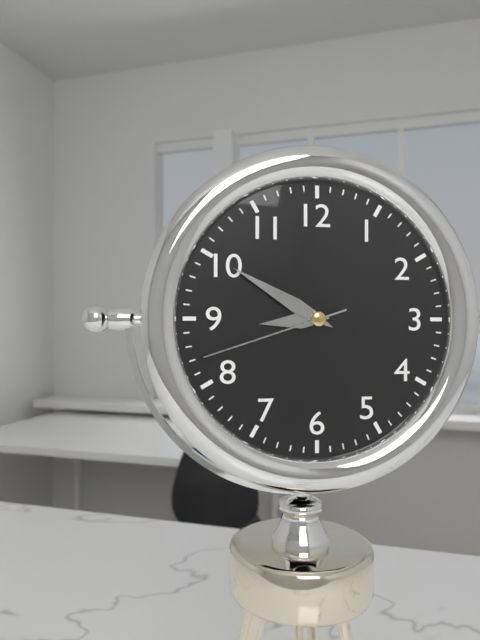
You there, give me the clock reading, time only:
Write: 8:50:42
